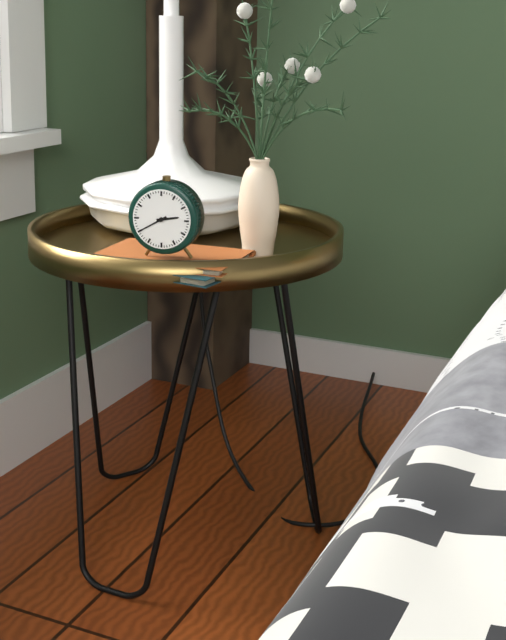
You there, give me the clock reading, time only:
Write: 2:40
